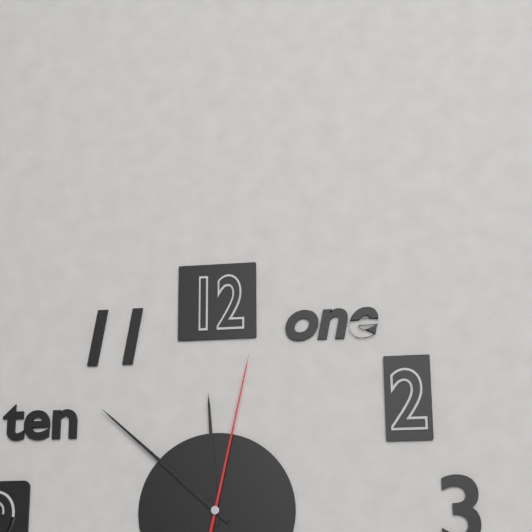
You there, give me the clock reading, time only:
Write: 11:52:02
